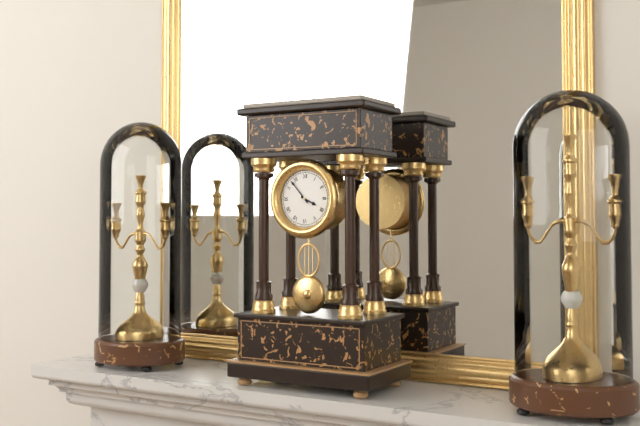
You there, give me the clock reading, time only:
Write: 3:53
